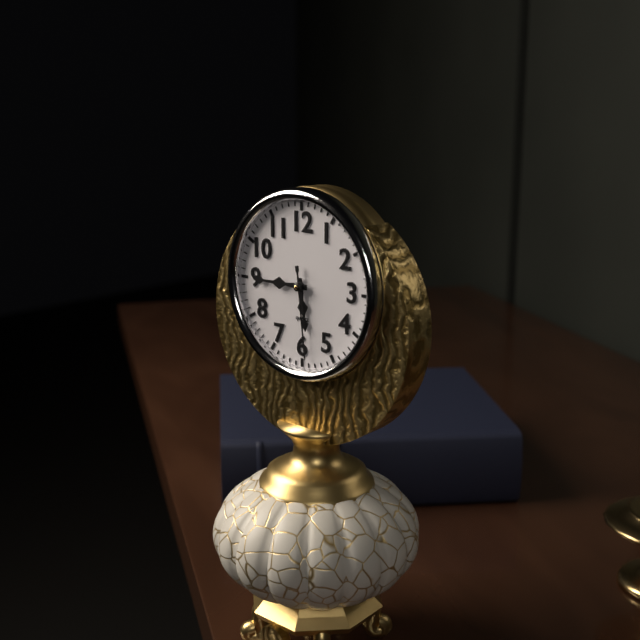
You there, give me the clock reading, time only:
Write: 5:45:29
